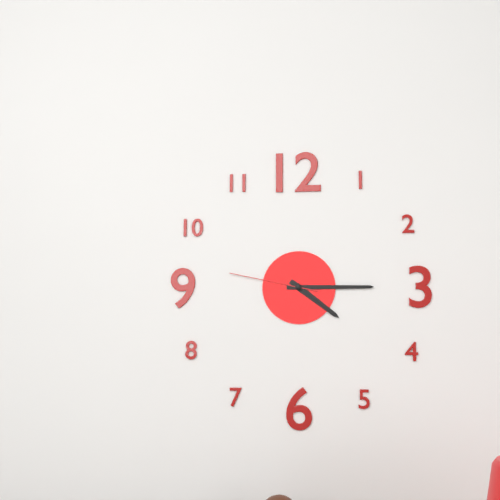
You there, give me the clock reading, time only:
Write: 4:15:47
